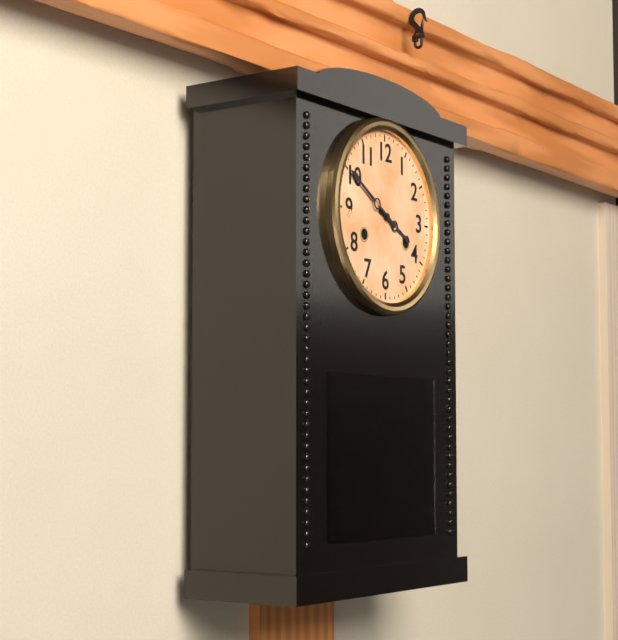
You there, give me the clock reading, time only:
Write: 3:50
